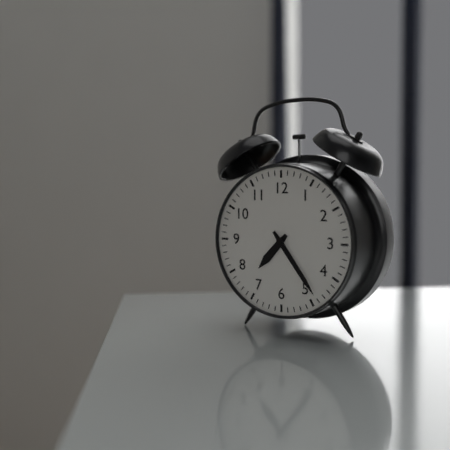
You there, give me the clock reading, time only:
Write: 7:24
